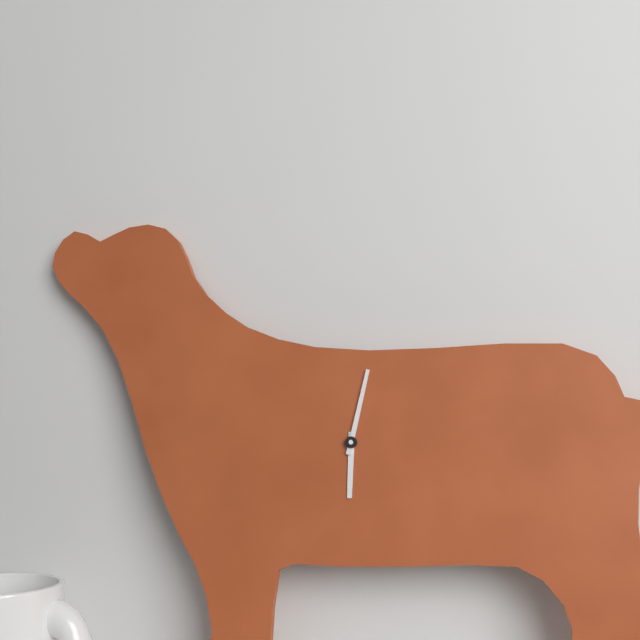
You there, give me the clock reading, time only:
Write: 6:02
